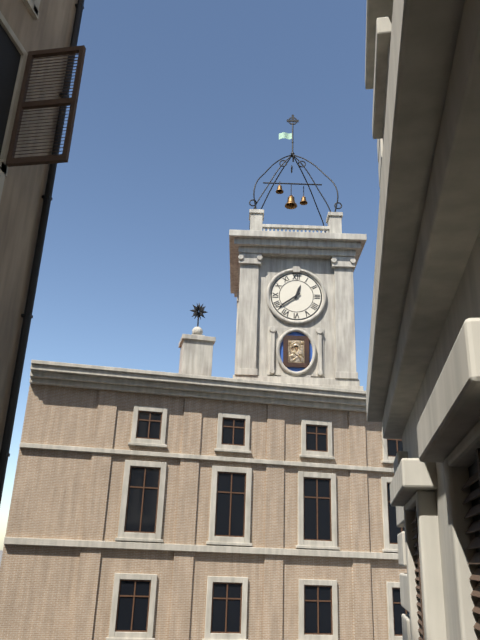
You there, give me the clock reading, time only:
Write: 12:39
